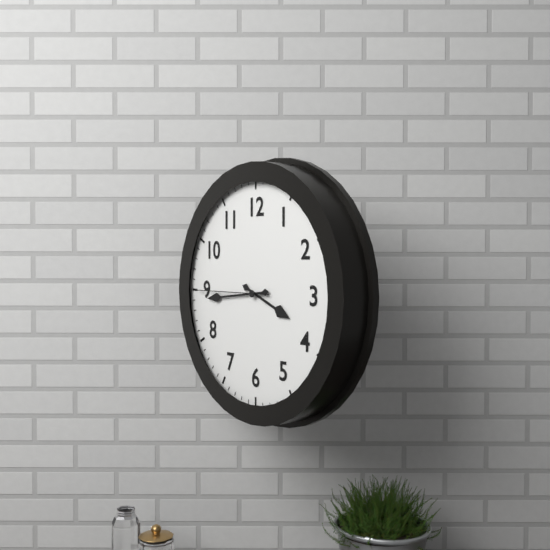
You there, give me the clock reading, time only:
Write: 3:44:45
